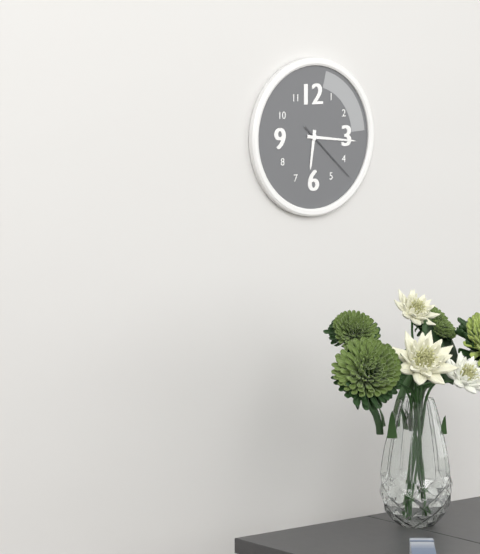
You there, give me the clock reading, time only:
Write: 6:16:22
